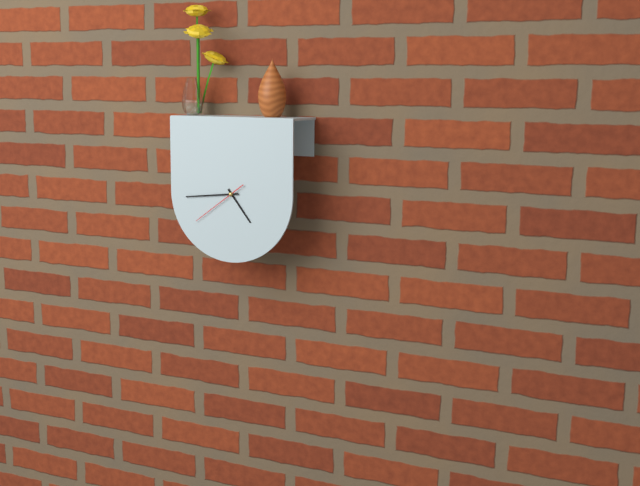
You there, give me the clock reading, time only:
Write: 4:44:39
